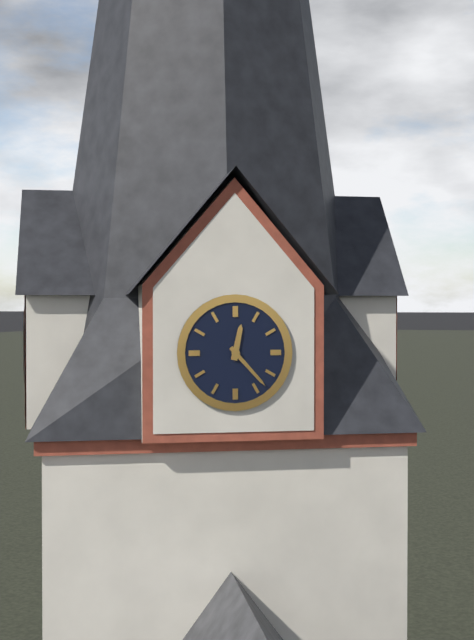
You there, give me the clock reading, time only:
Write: 12:23
